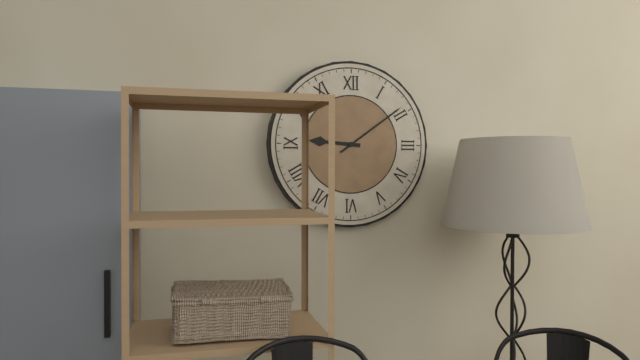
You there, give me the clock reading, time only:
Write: 9:09
